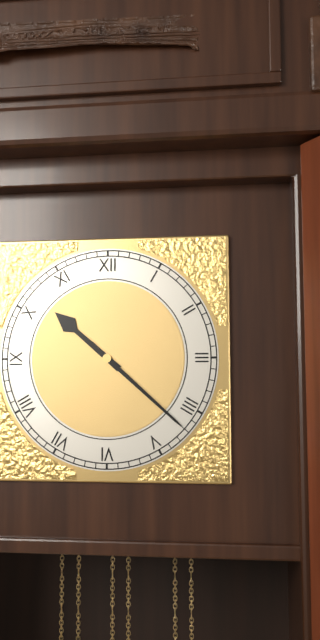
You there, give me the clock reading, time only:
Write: 10:22
